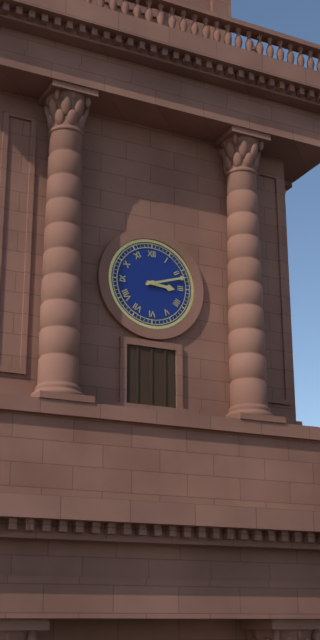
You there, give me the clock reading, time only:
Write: 3:12
